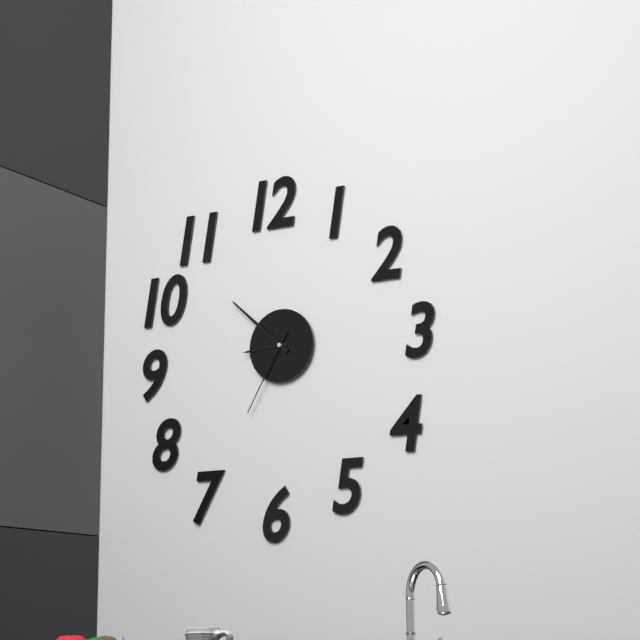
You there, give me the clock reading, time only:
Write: 8:52:35
